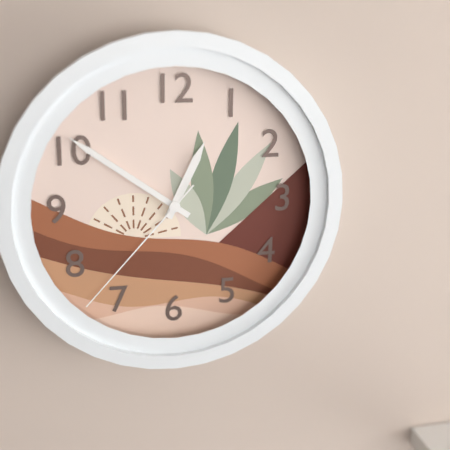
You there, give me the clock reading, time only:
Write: 12:51:37
